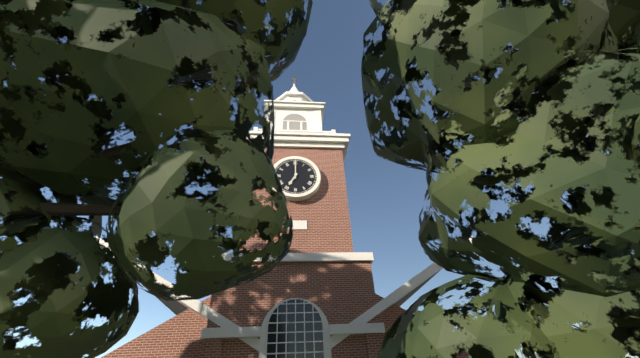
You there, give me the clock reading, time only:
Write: 7:00
